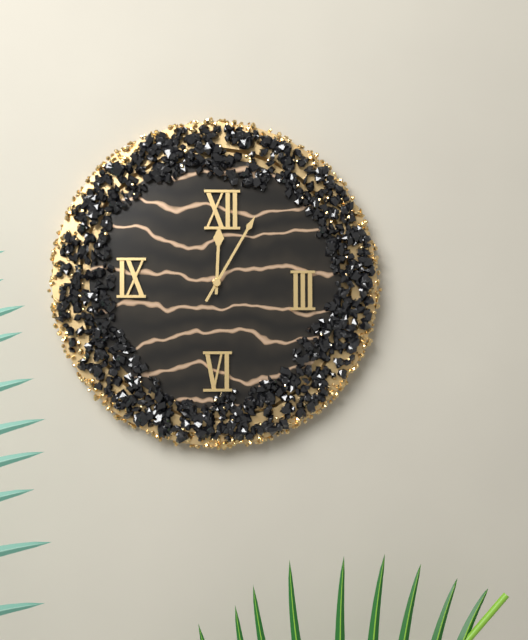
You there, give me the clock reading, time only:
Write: 12:05
